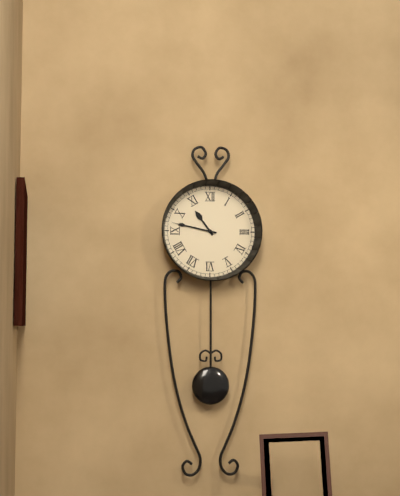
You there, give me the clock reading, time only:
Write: 10:47
